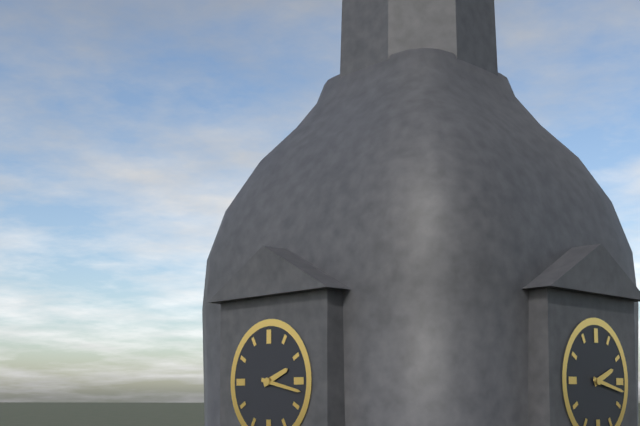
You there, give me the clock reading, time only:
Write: 2:17
